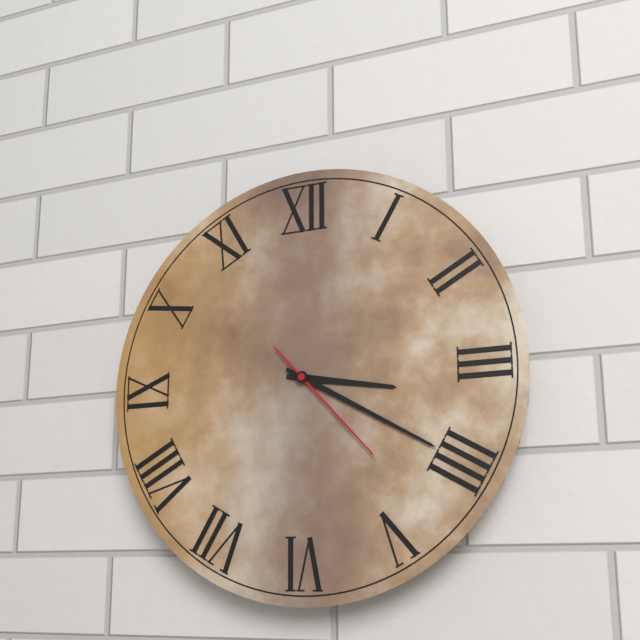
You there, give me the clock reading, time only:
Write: 3:20:23
